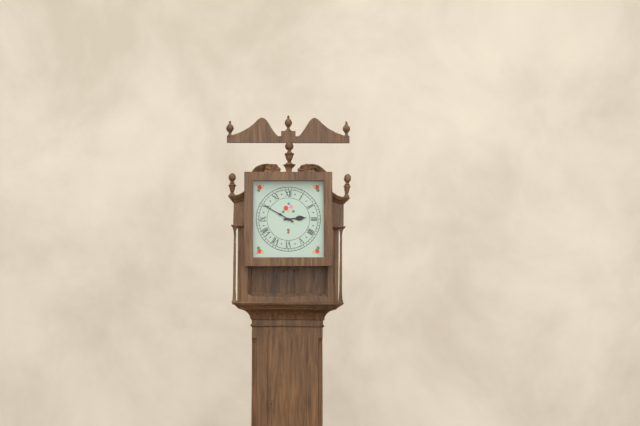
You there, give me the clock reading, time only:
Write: 2:50
